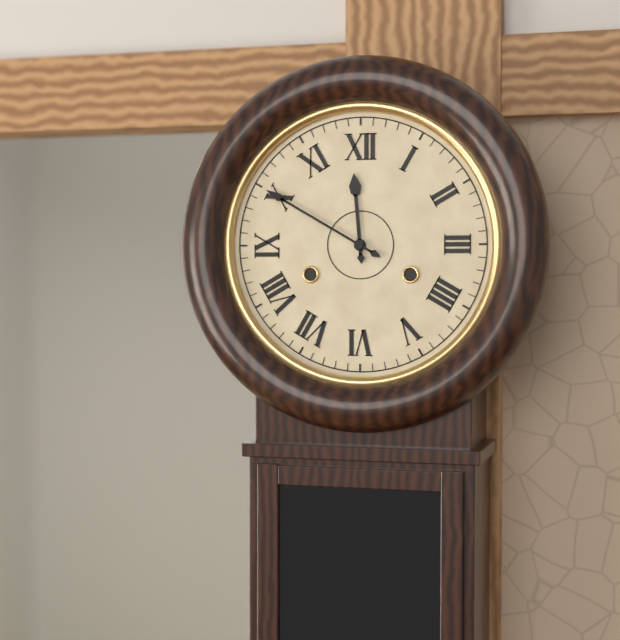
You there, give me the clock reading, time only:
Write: 11:50
